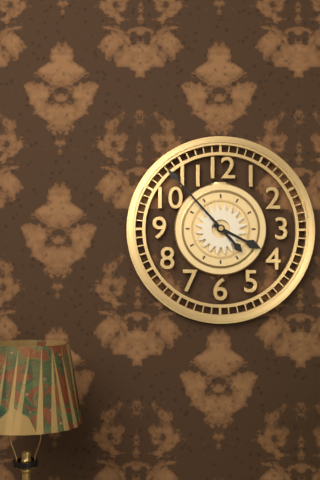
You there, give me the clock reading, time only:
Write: 3:53
